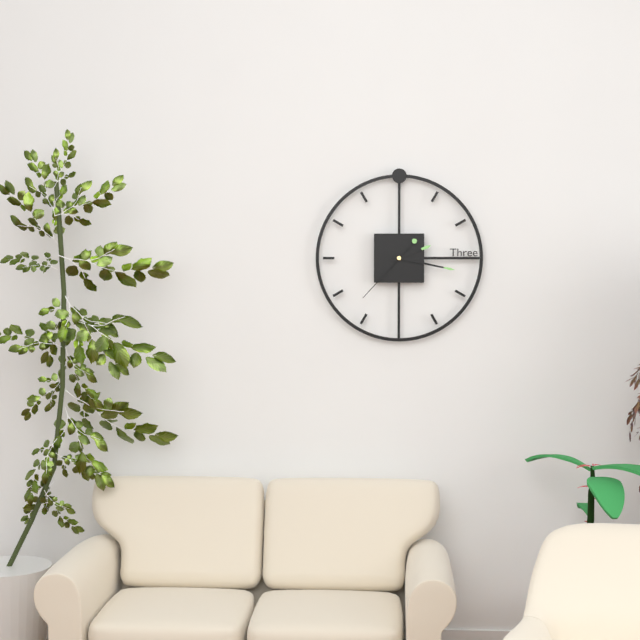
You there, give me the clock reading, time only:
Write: 2:17:37
